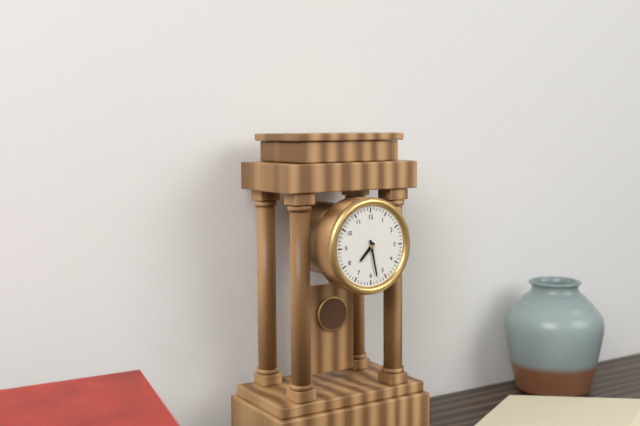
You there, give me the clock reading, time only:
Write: 7:28
